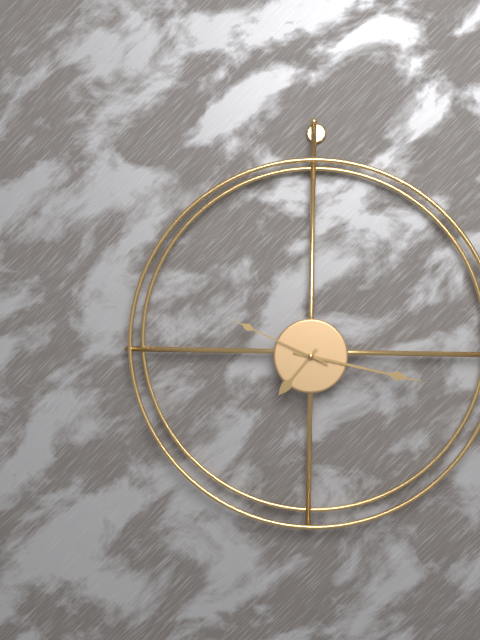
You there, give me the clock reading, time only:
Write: 7:17:49
